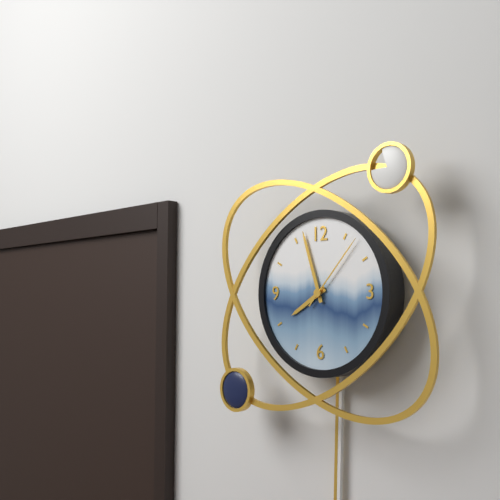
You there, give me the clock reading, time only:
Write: 7:57:07
